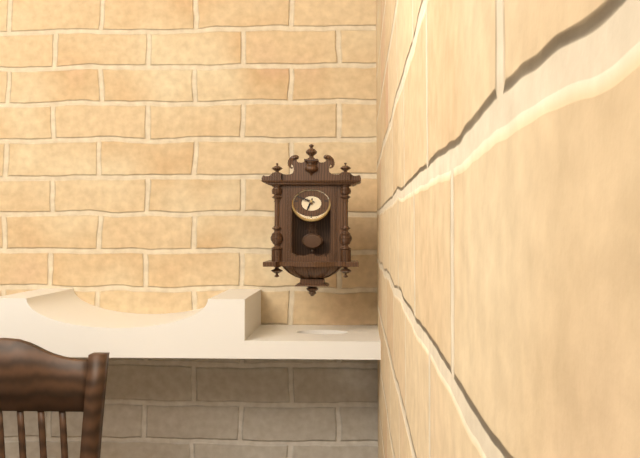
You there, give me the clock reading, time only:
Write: 6:48
